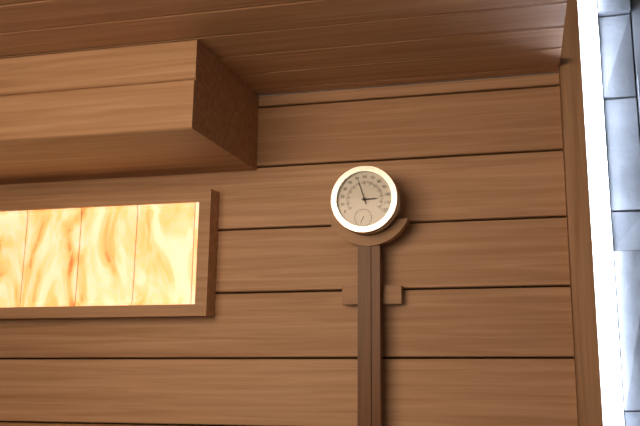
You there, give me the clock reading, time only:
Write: 2:57
